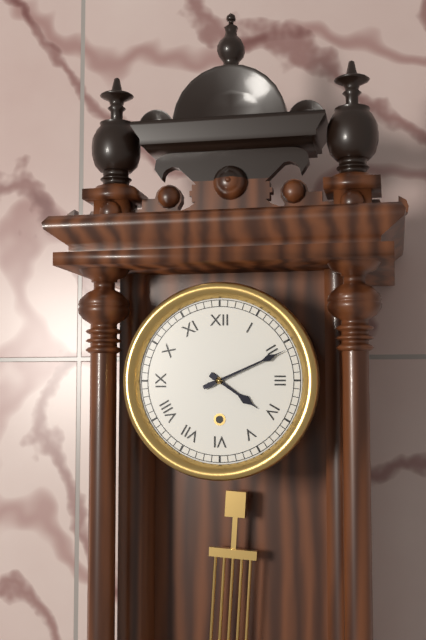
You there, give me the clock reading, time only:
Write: 4:11
